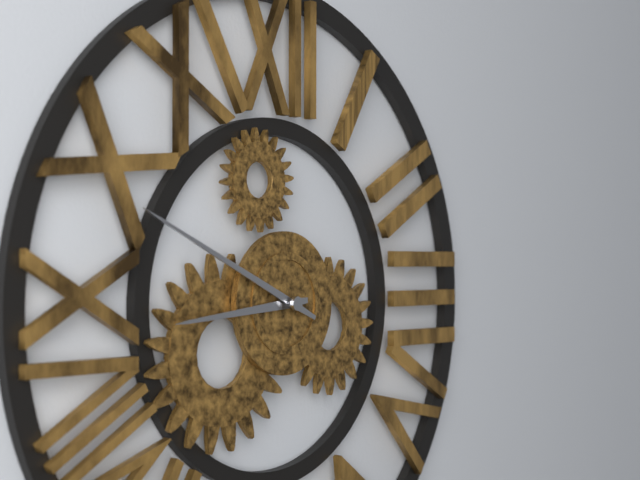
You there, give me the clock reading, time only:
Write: 8:49
